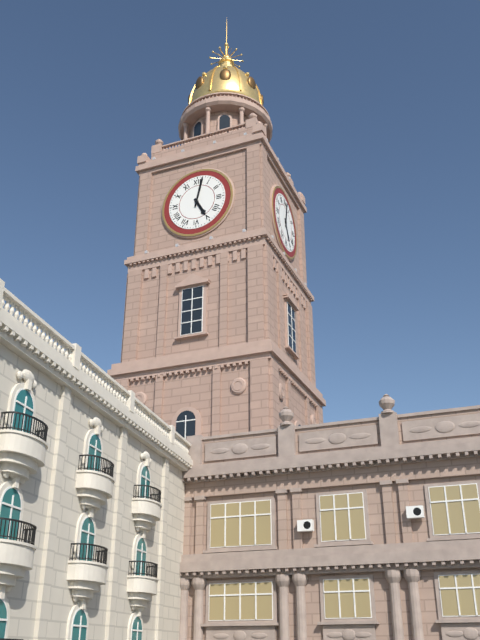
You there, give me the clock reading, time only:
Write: 5:02
